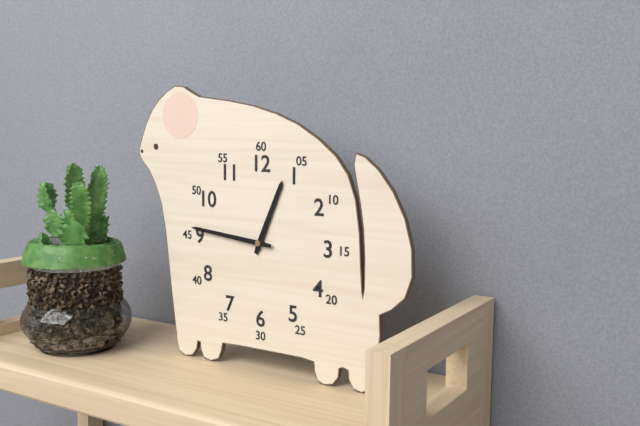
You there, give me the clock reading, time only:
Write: 12:46
